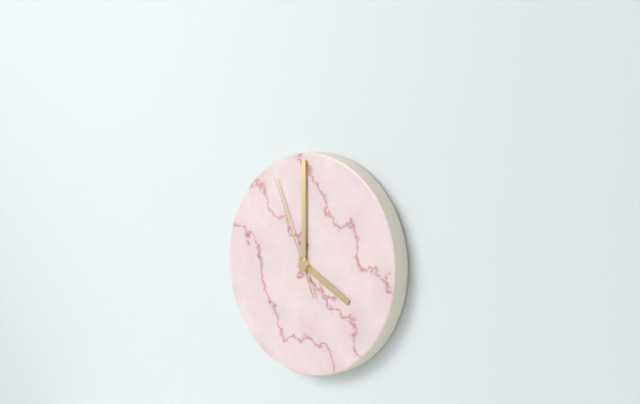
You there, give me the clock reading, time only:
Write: 4:00:56
